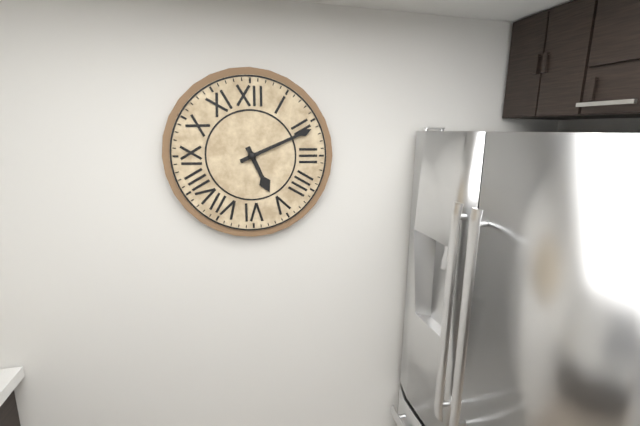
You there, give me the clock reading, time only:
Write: 5:11
